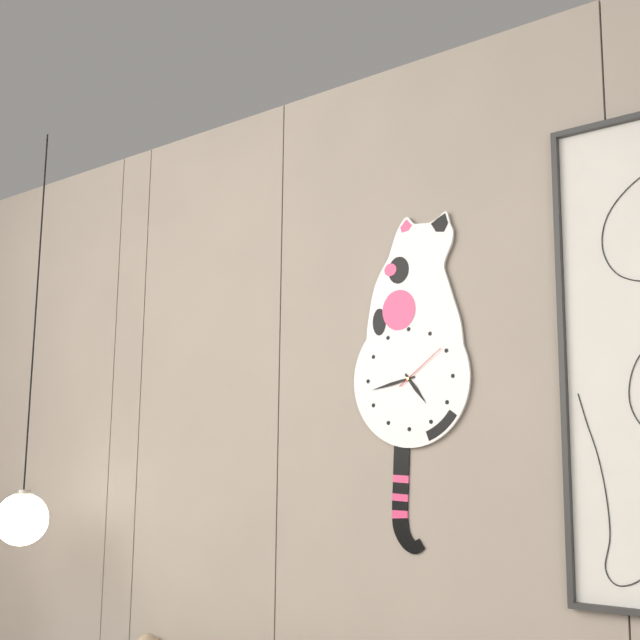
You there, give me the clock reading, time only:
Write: 4:43:09
